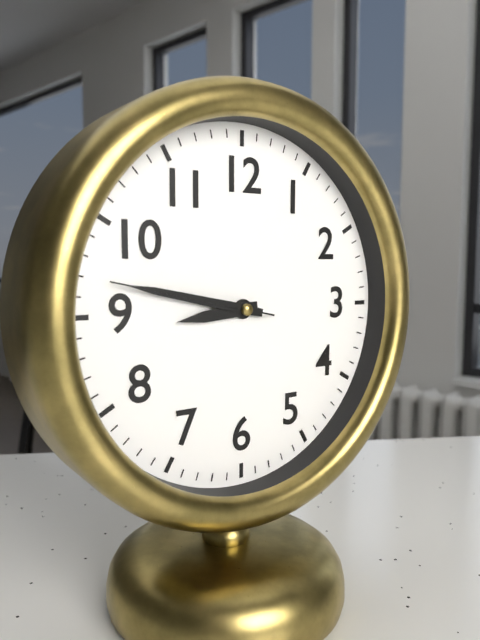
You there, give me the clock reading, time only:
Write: 8:47:47
